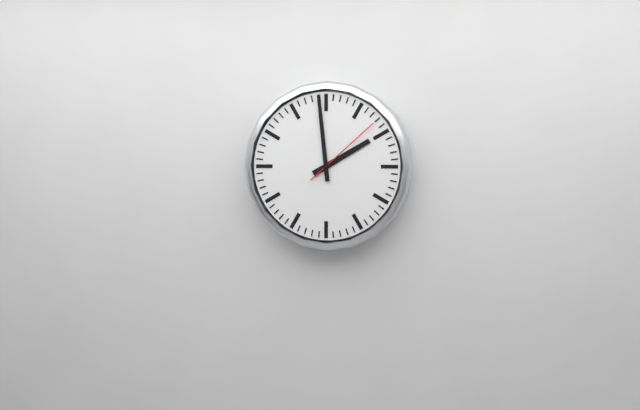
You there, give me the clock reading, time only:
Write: 1:59:08
